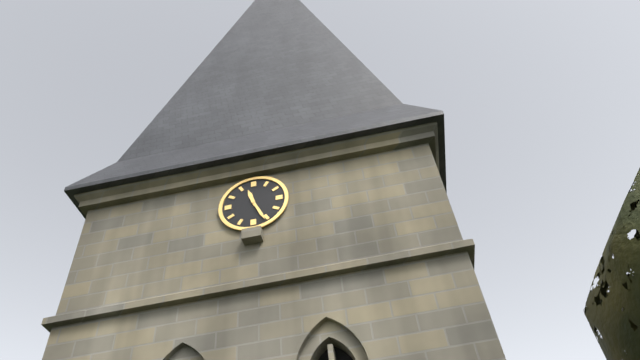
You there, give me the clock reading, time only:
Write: 11:26
